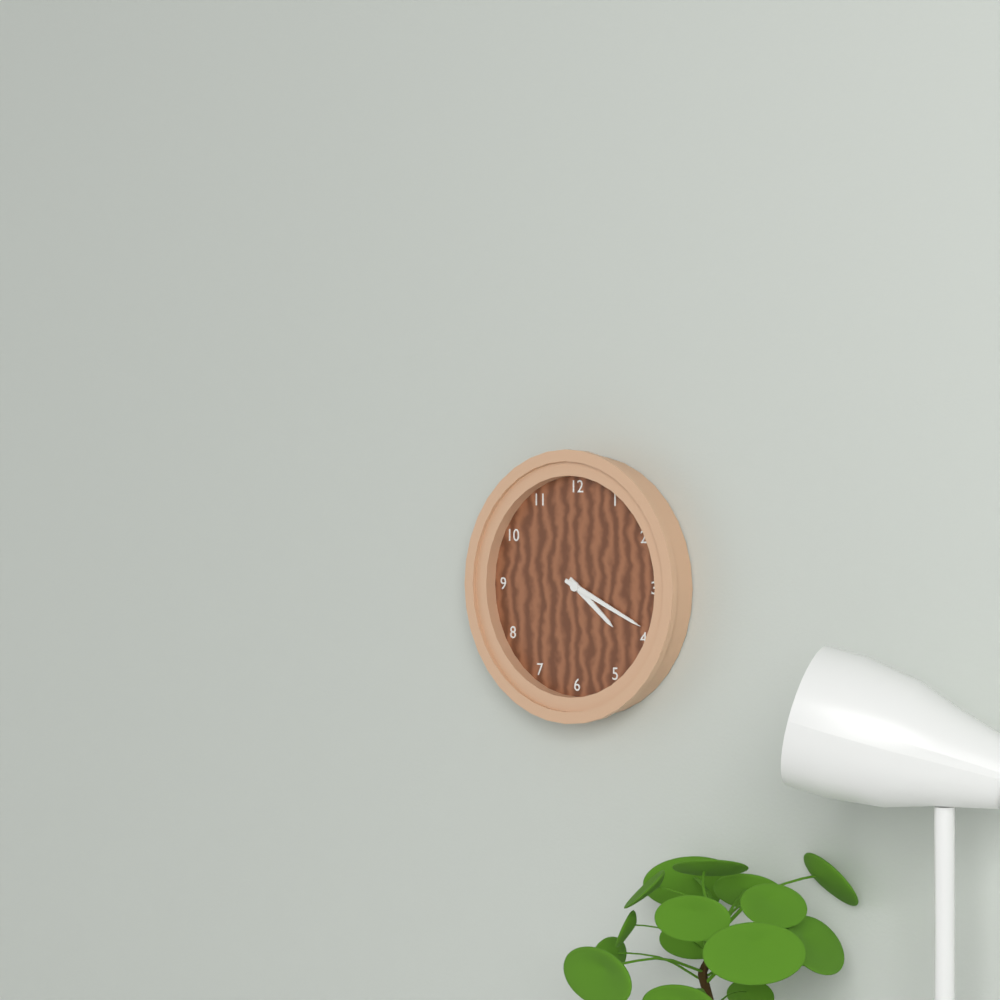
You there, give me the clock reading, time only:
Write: 4:19
